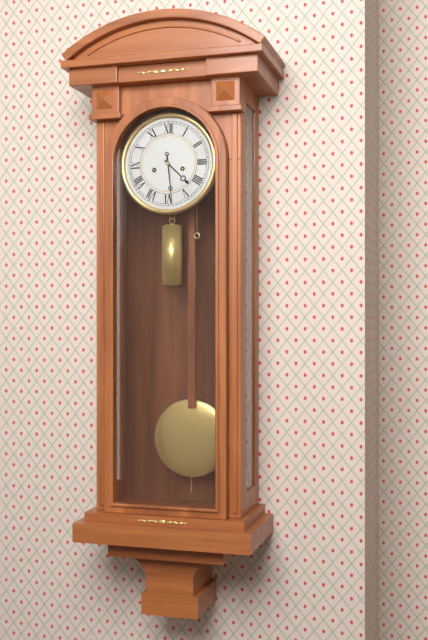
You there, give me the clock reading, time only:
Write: 4:29
